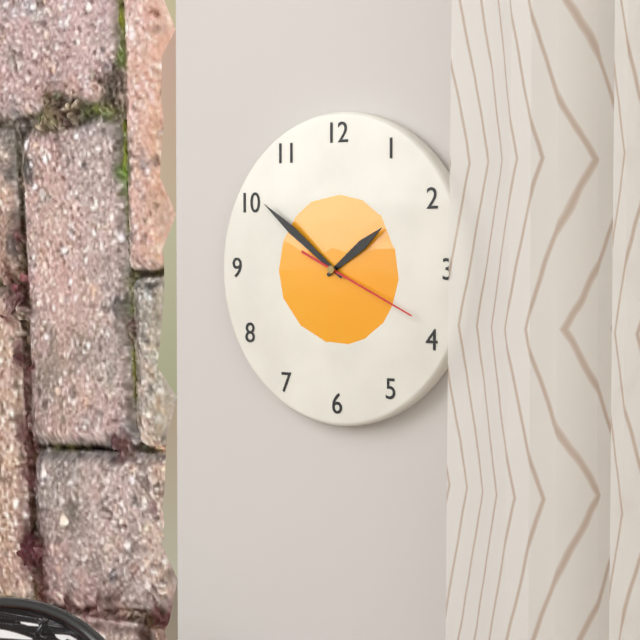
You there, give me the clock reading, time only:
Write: 1:51:19
